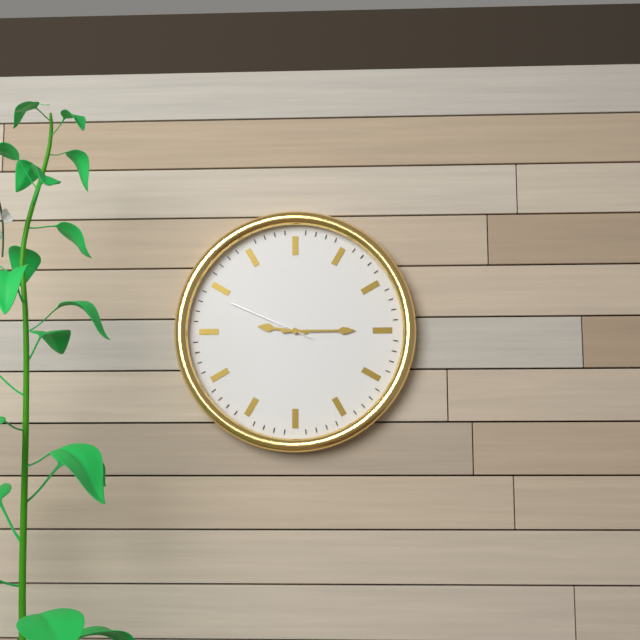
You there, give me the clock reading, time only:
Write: 9:15:49
